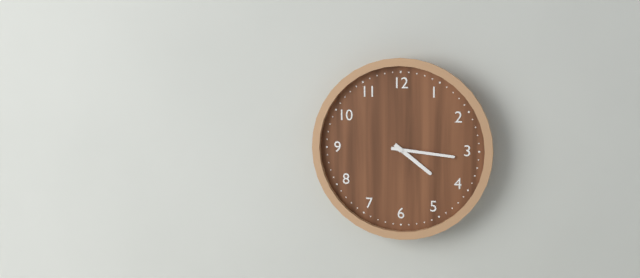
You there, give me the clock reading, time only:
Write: 4:16
